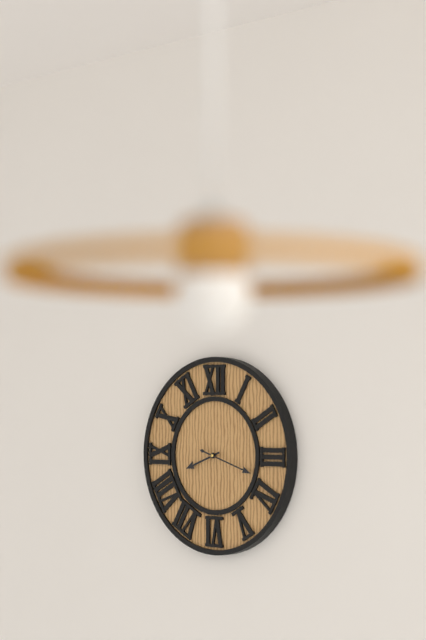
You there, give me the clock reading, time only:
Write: 8:18
